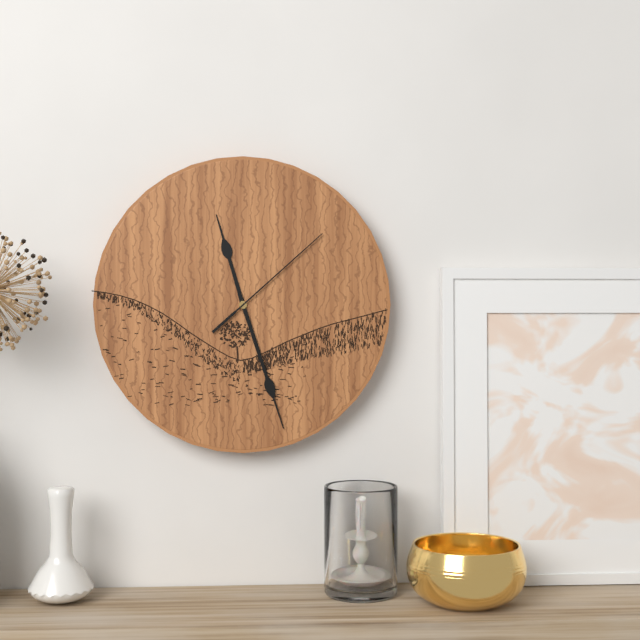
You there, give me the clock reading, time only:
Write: 11:27:08
